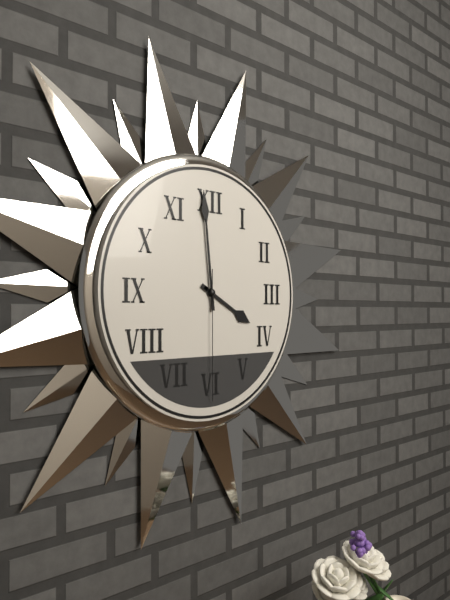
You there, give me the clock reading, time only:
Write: 3:59:30
